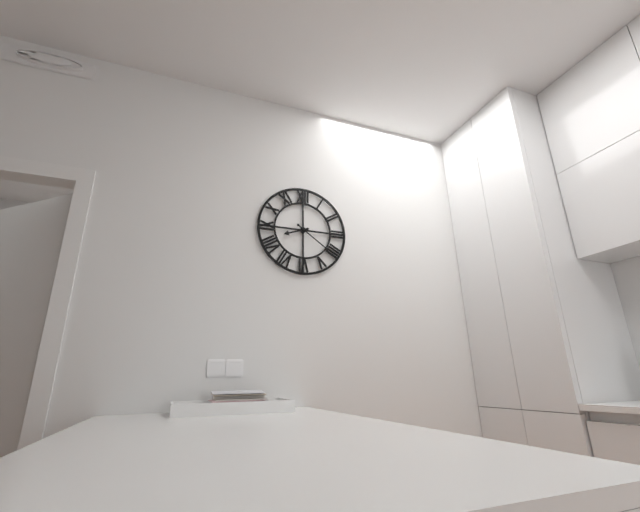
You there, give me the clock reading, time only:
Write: 8:21
